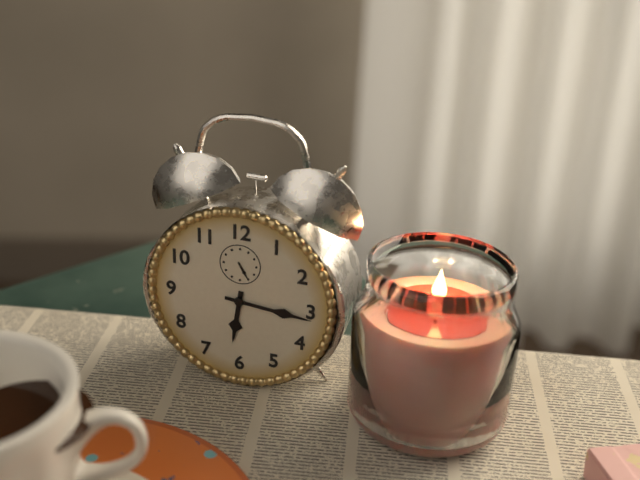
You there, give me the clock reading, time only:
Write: 6:16
